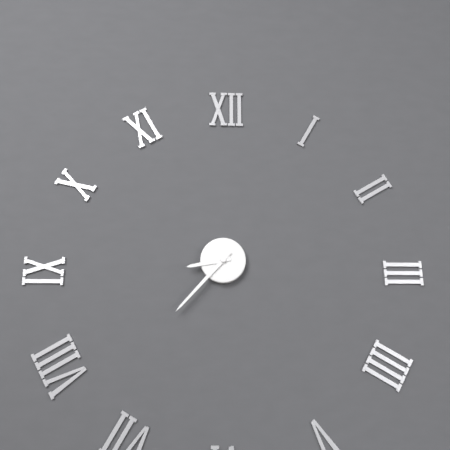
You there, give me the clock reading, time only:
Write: 8:37
